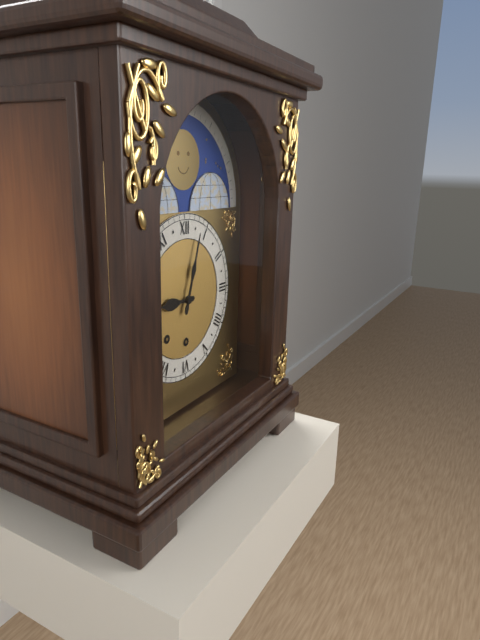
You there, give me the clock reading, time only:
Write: 9:03
